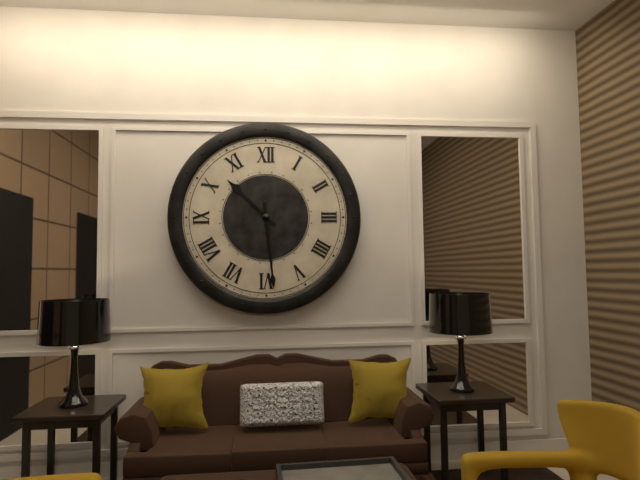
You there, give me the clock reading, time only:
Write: 10:29
